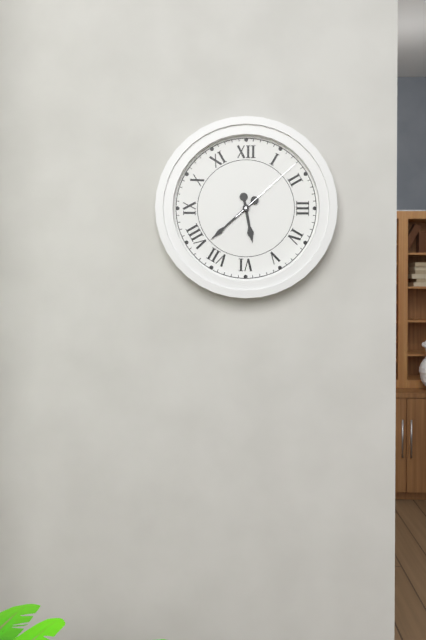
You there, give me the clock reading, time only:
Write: 5:38:08
